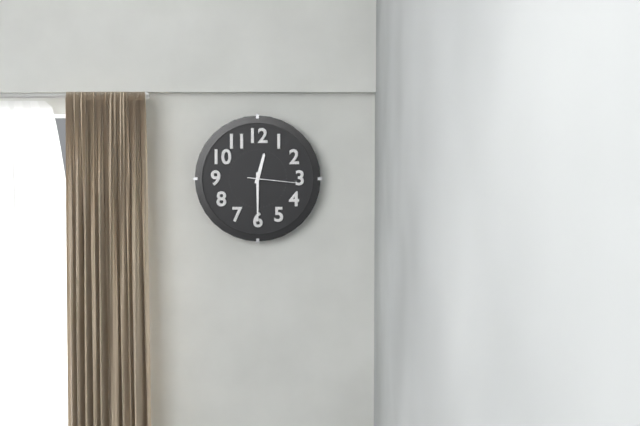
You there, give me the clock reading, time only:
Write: 12:30
